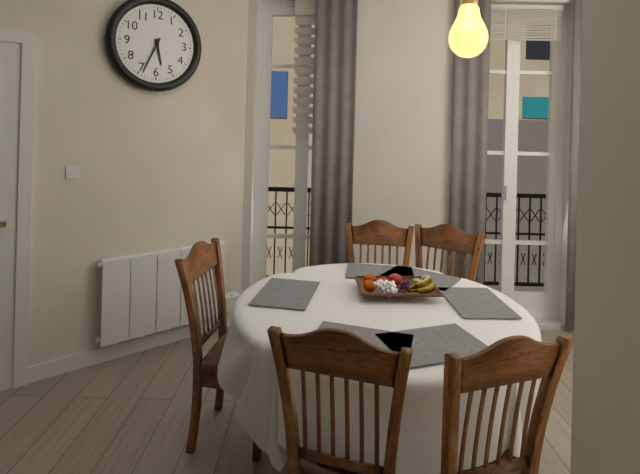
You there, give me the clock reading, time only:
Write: 5:34
